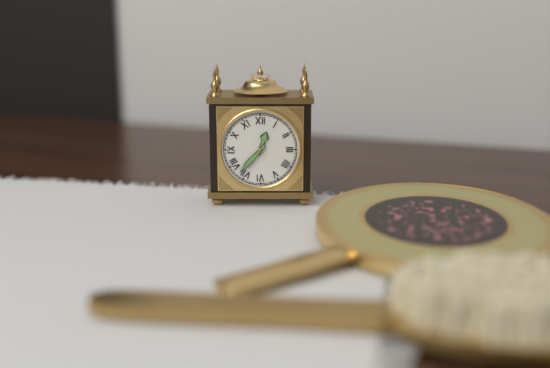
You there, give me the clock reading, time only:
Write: 12:37
